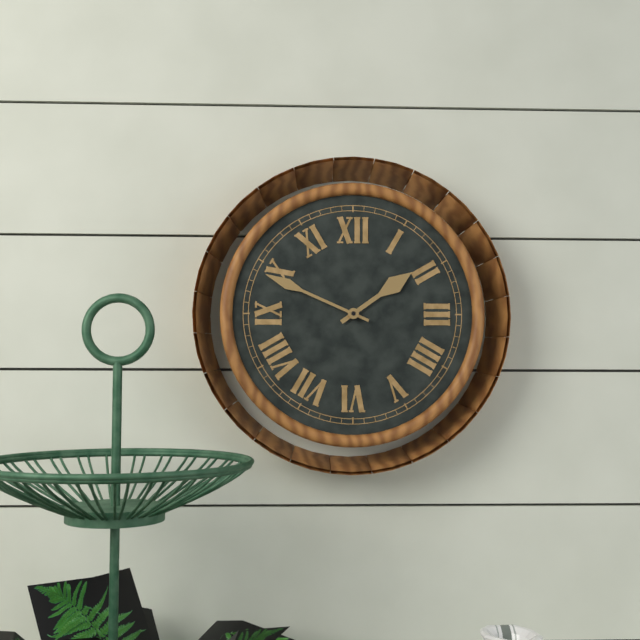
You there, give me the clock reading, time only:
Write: 1:49
